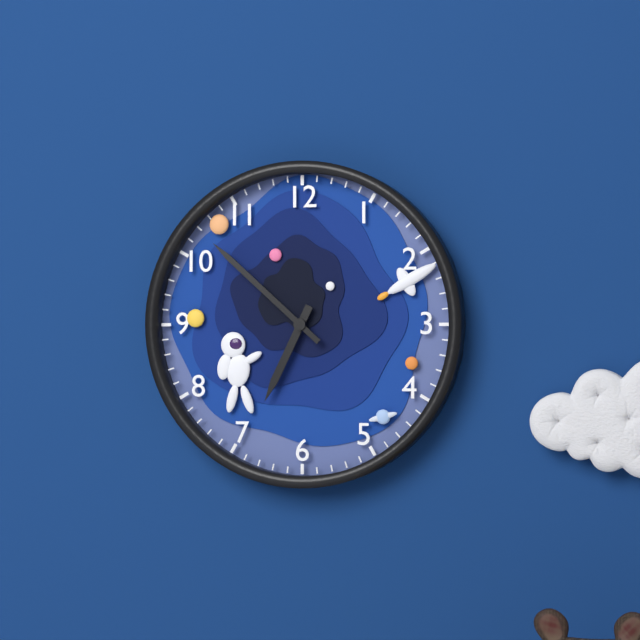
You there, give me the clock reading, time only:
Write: 6:52
